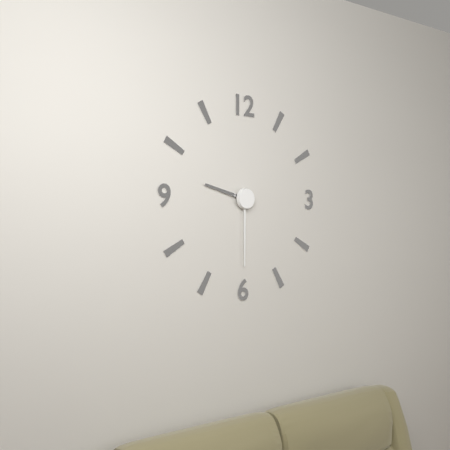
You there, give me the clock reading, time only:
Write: 9:30
